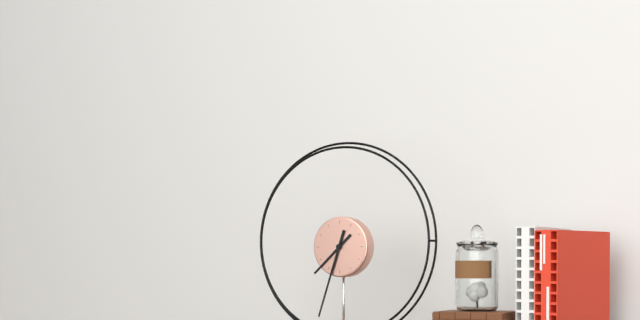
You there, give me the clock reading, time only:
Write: 7:33
